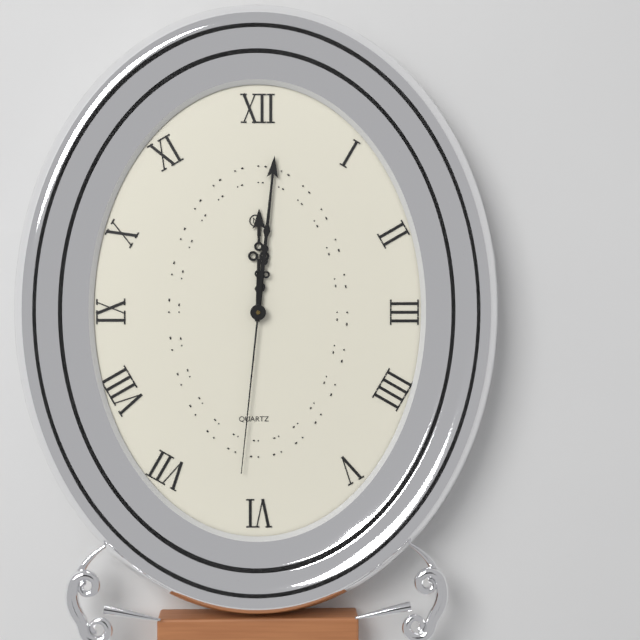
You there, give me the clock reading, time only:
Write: 12:01:31
